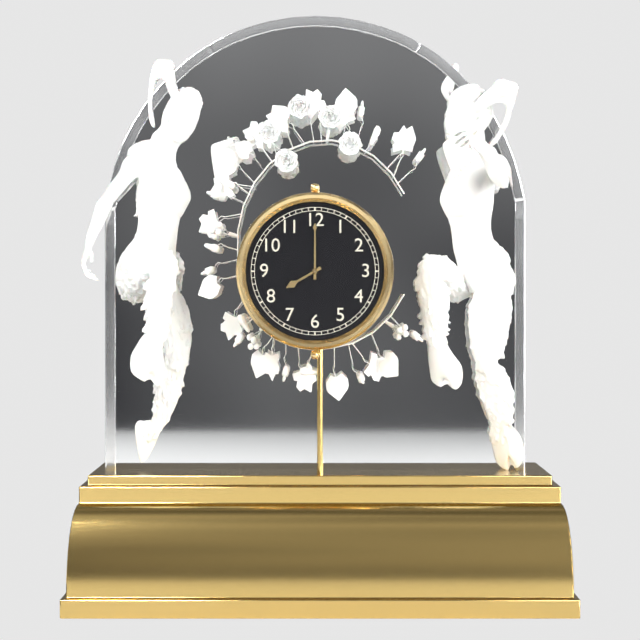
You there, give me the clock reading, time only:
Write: 8:00
